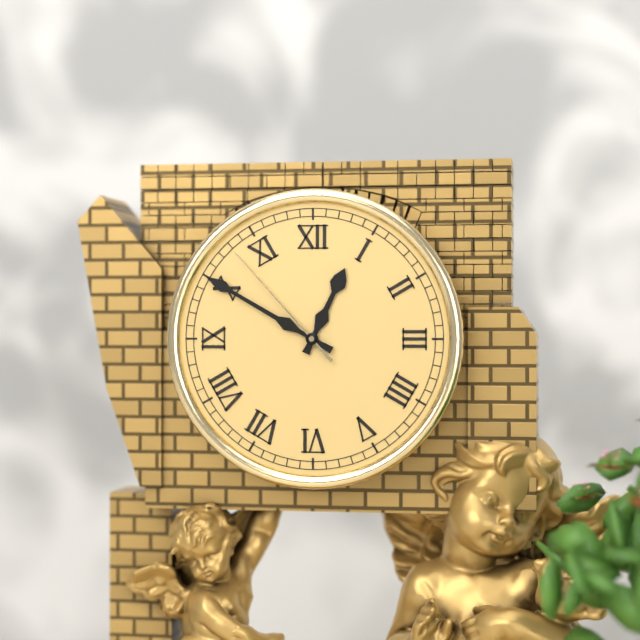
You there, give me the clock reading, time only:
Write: 12:50:53
